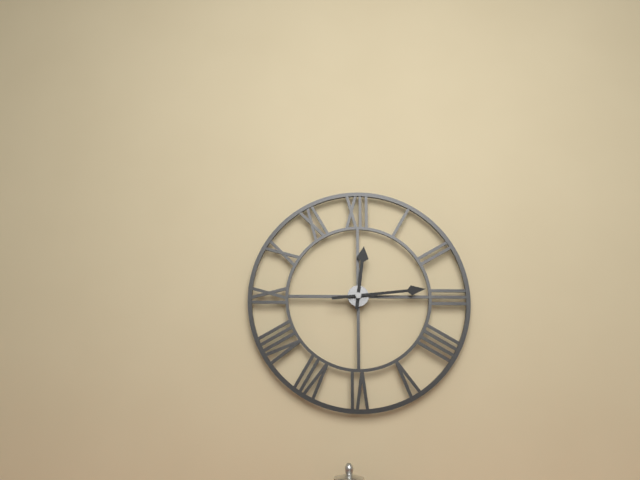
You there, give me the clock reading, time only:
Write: 12:14
